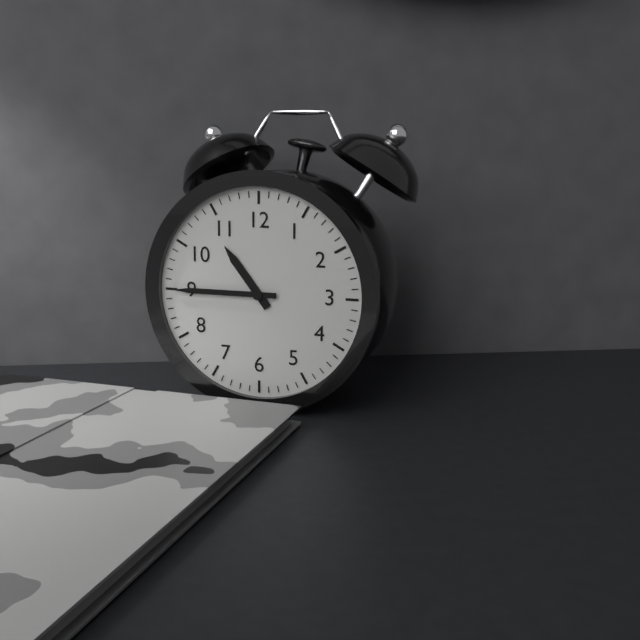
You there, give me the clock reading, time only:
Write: 10:45
